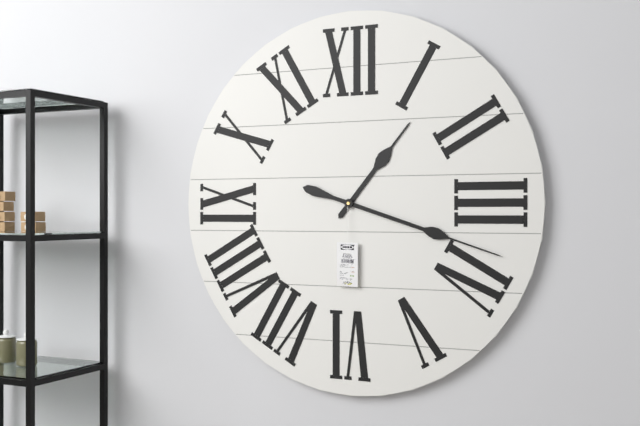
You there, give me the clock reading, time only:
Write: 1:18
